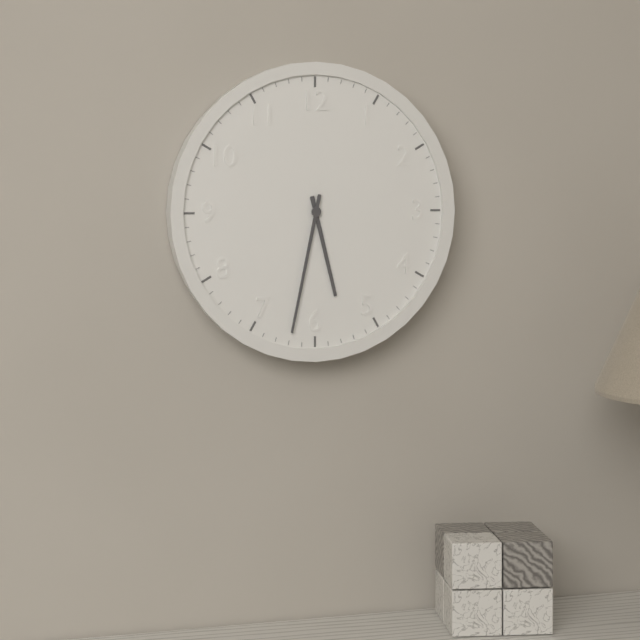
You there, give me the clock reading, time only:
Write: 5:32
